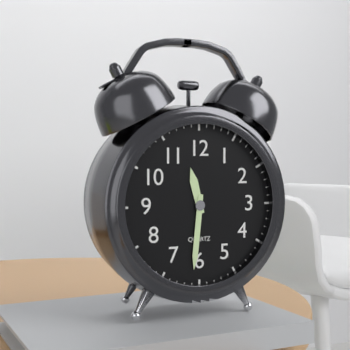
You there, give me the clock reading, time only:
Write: 11:31
